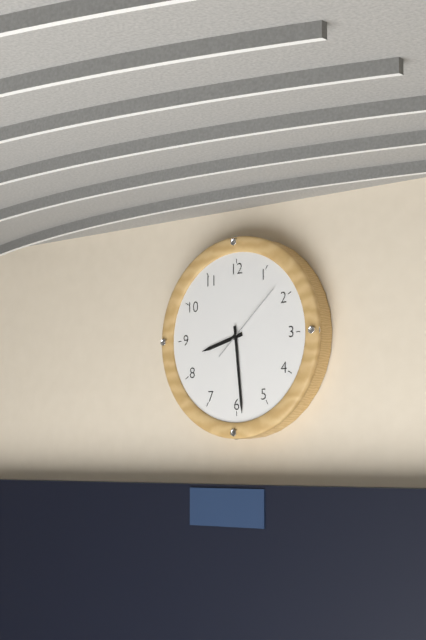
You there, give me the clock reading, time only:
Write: 8:29:08
